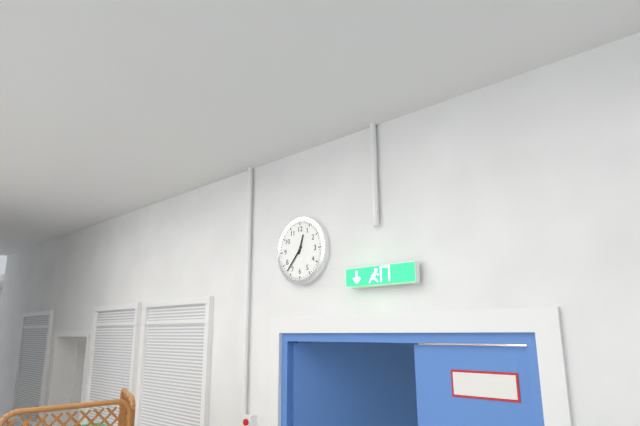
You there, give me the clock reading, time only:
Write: 12:37
